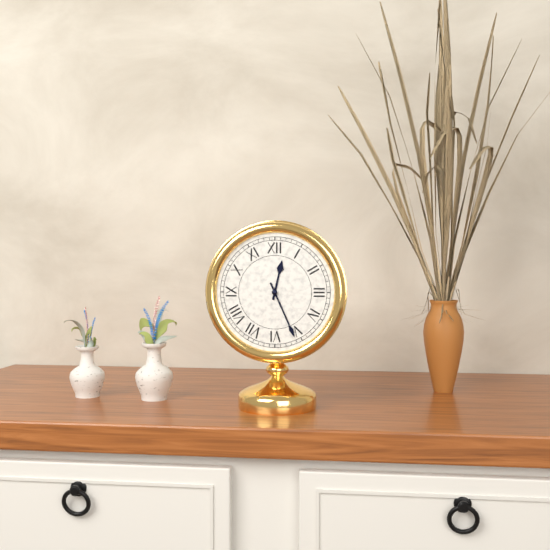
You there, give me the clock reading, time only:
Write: 12:26
